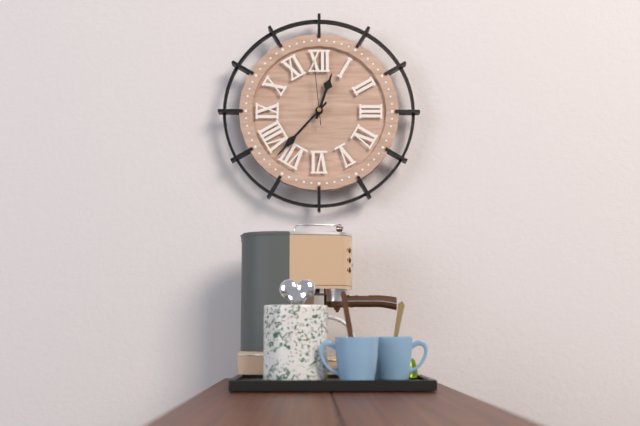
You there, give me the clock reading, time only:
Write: 12:37:59
